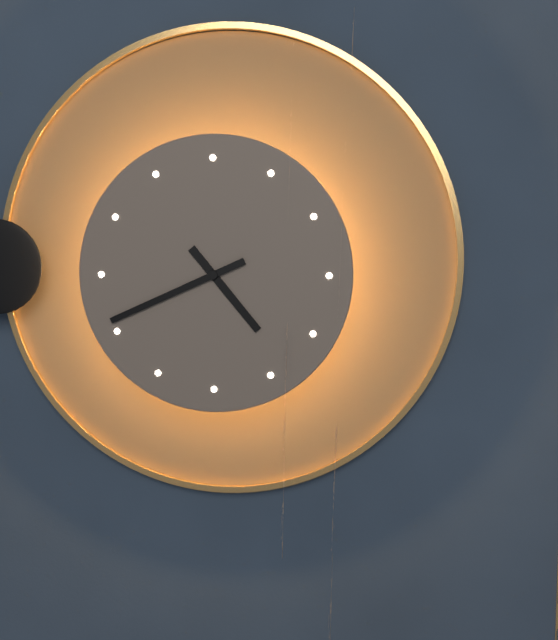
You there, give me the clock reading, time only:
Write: 4:41
